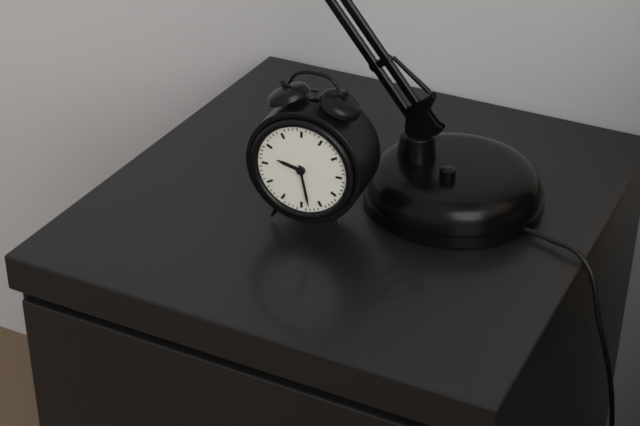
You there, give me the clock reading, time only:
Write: 9:28
